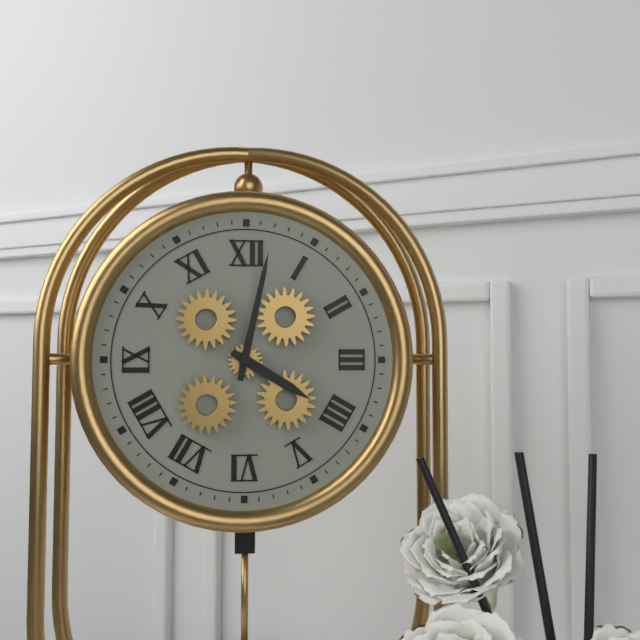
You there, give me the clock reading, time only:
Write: 4:02
